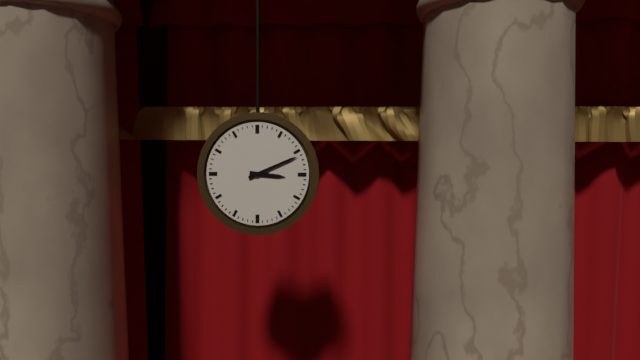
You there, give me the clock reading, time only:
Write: 3:11
